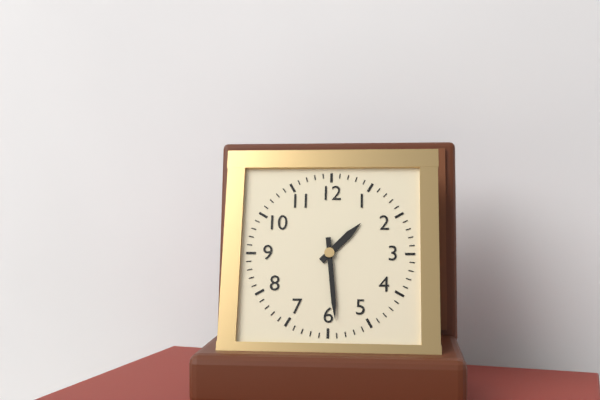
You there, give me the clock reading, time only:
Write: 1:29
